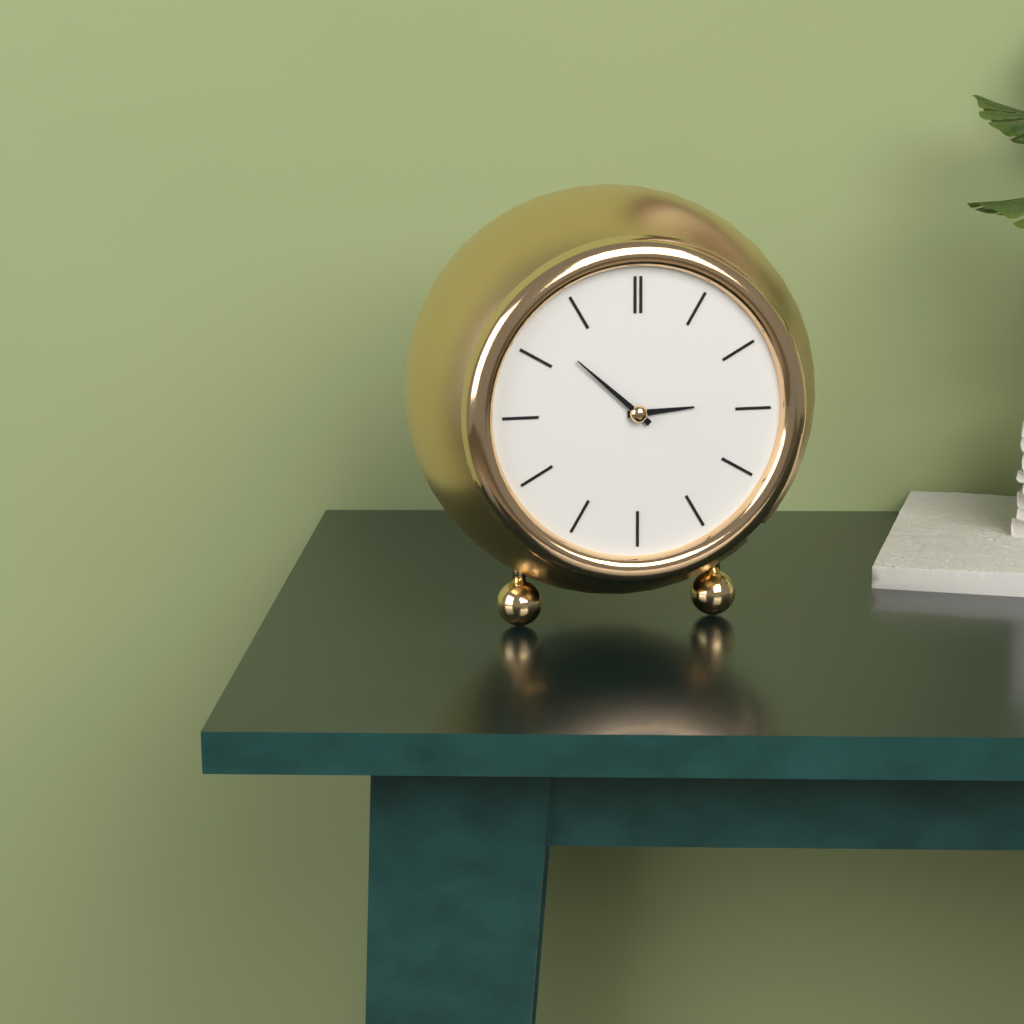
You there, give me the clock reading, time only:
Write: 2:52
